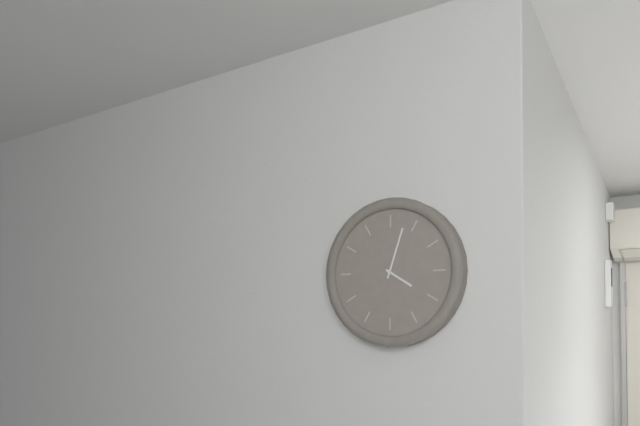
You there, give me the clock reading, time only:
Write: 4:03
